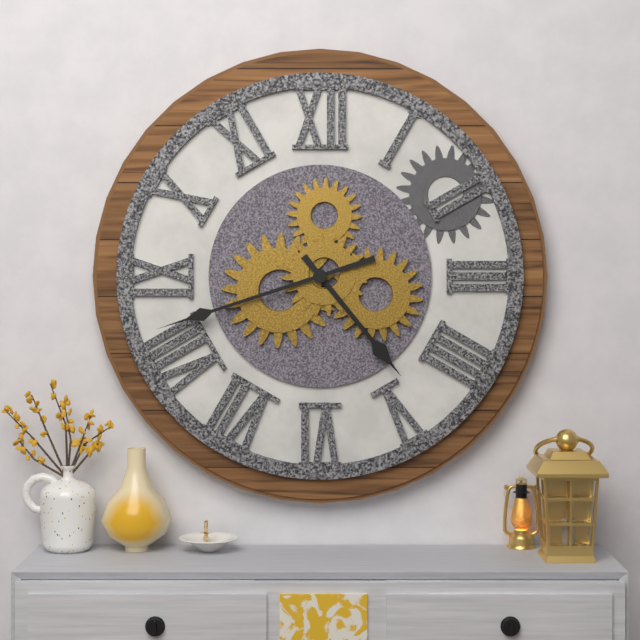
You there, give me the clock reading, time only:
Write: 4:42
